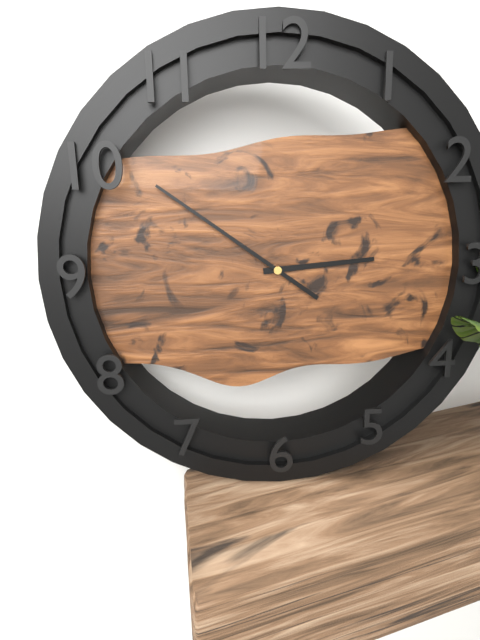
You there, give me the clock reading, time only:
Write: 2:51
